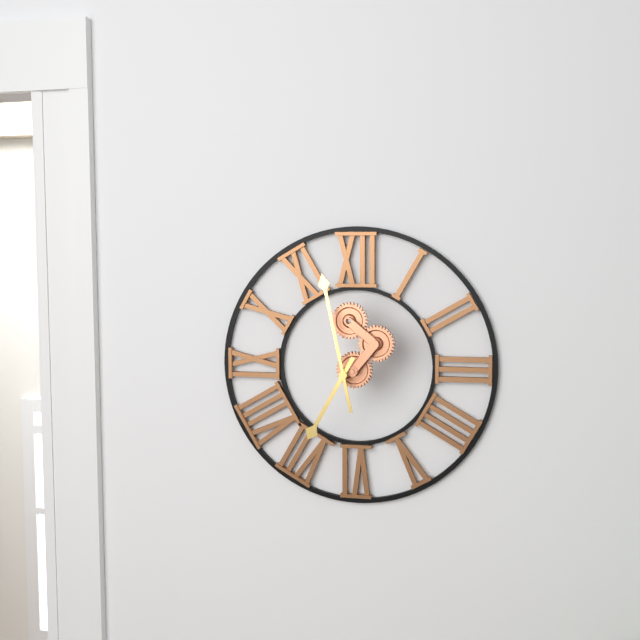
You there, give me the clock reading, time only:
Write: 6:58
